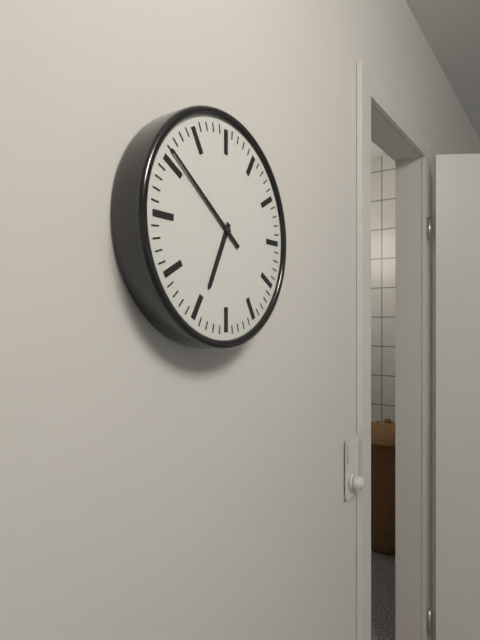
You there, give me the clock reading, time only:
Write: 6:51
